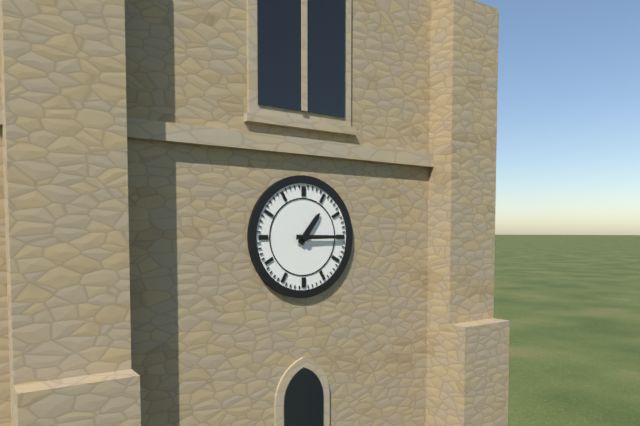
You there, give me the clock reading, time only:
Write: 1:15
